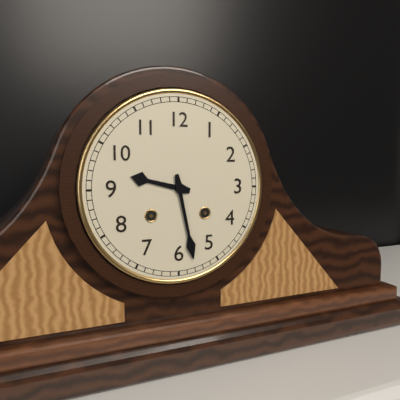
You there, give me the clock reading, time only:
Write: 9:28
